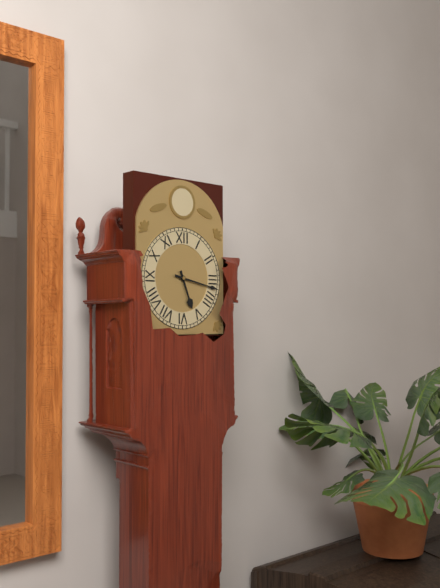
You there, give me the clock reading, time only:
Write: 5:17
